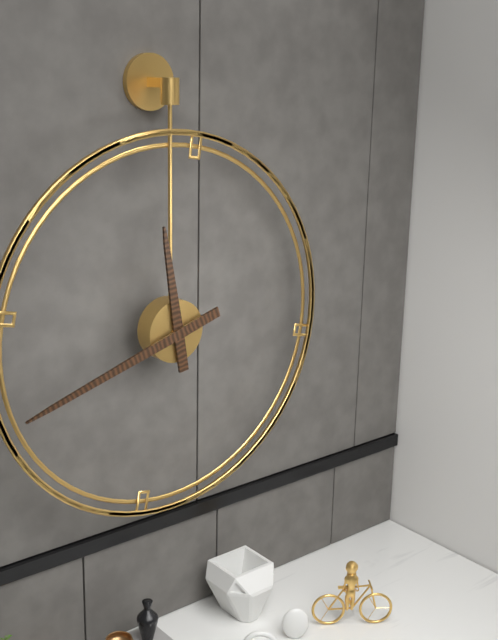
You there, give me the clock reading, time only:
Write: 11:42
